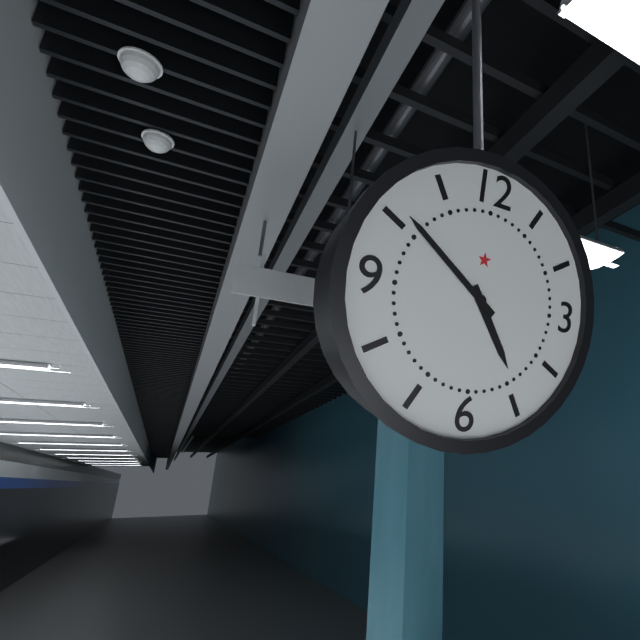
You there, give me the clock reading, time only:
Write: 4:51
